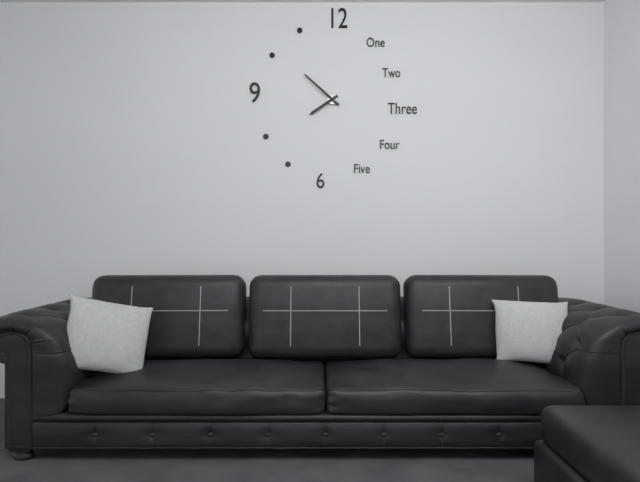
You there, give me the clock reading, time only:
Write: 7:52
